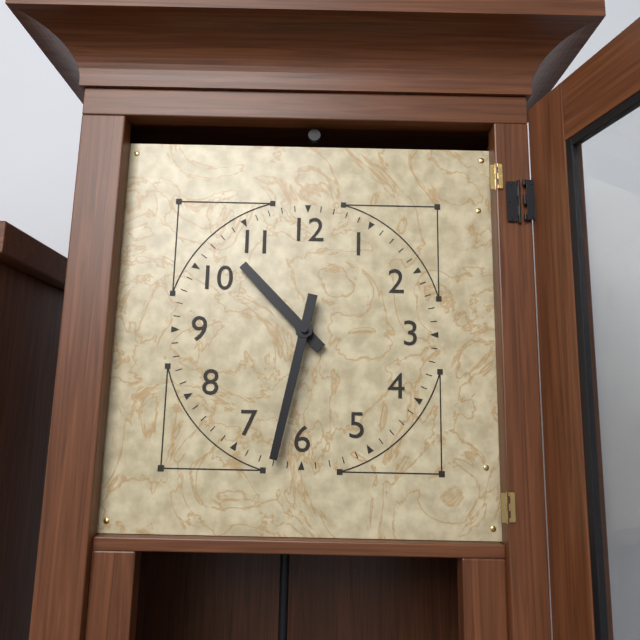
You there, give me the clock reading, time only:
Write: 10:32
